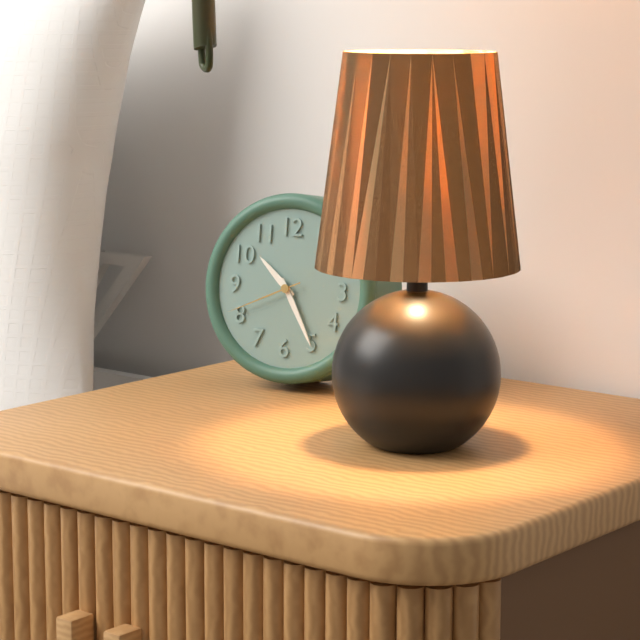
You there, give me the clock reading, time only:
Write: 10:25:41
